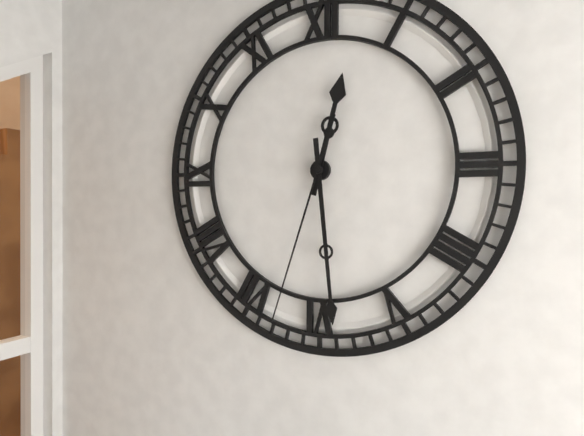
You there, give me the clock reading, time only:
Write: 12:29:33
